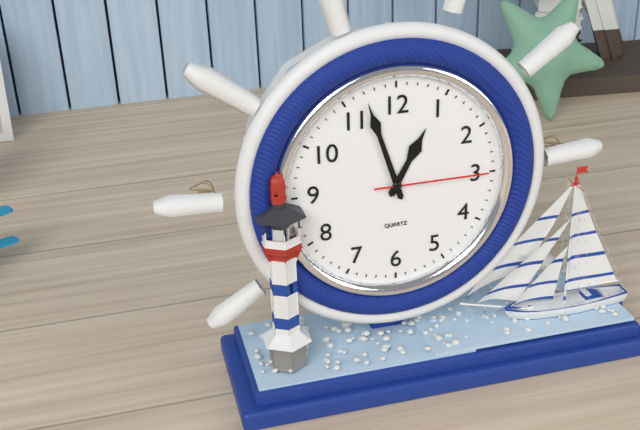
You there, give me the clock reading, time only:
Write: 12:57:15
